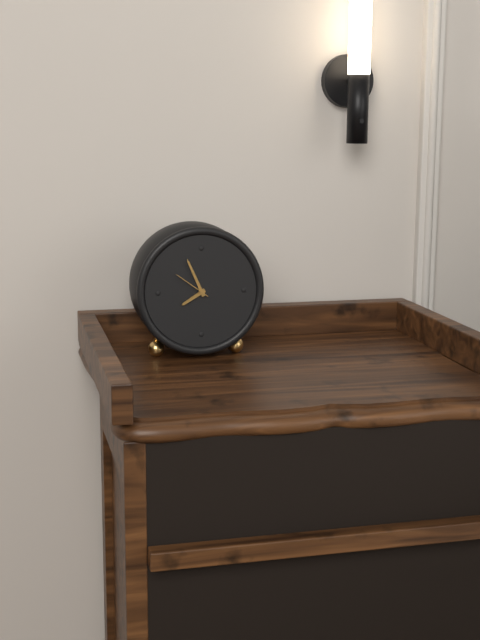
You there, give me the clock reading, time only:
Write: 7:56
